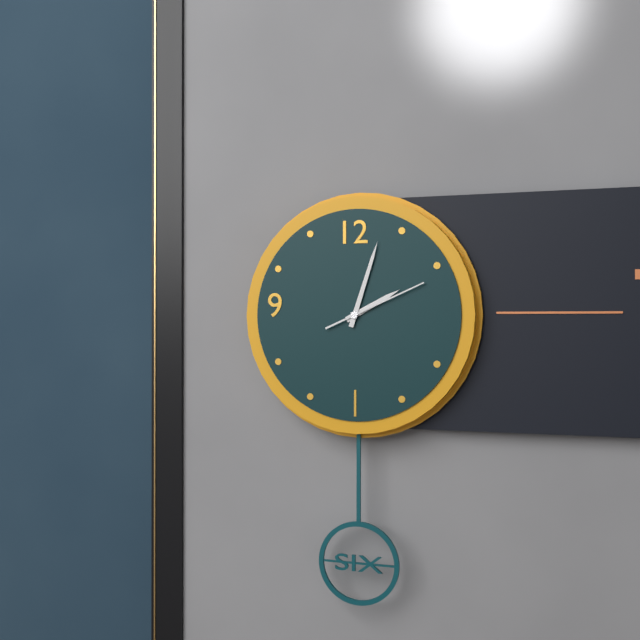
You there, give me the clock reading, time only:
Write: 2:03:11
